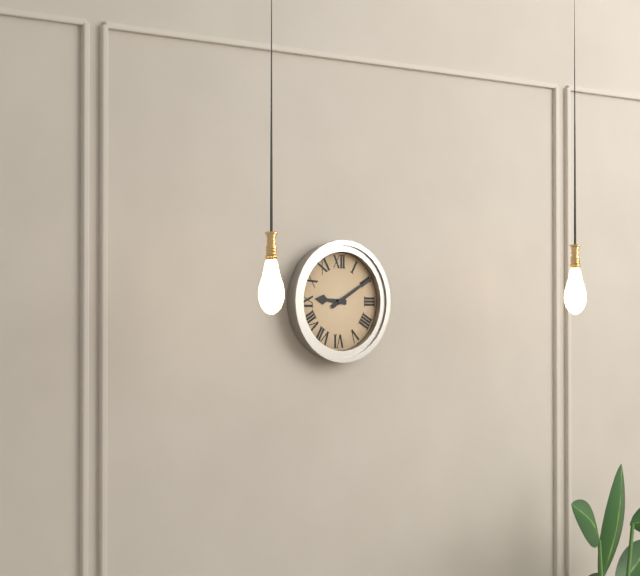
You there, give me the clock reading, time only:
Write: 9:10
